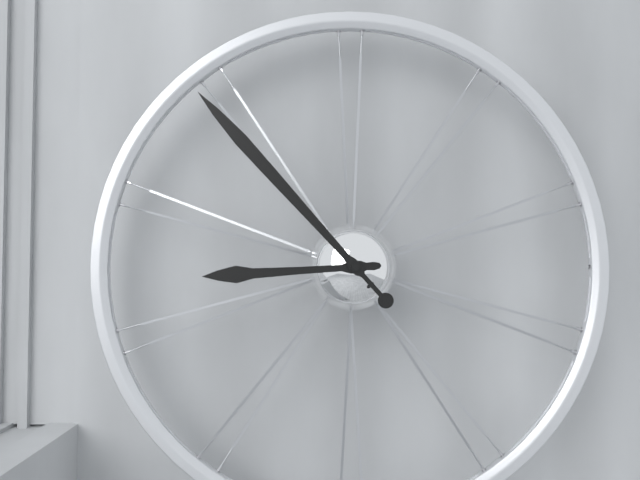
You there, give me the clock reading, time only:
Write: 8:53
